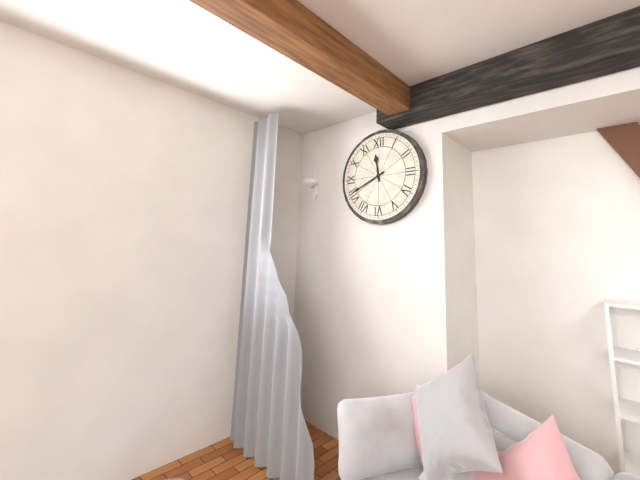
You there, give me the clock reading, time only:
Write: 11:41
